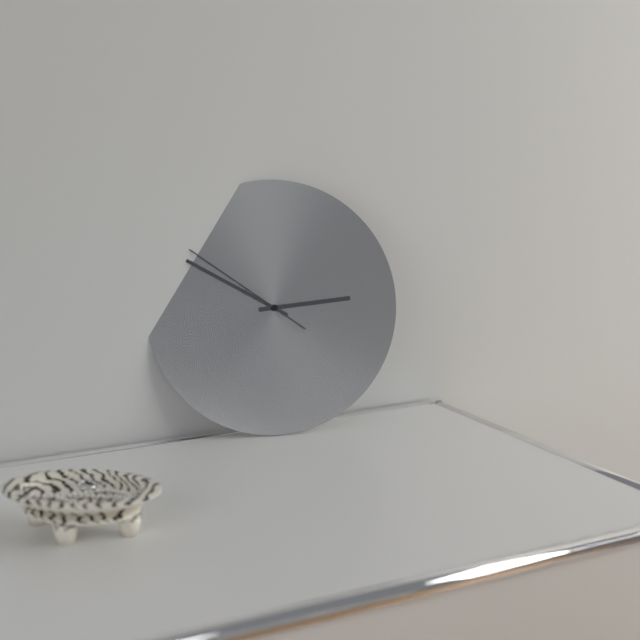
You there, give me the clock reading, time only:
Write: 2:50:51
